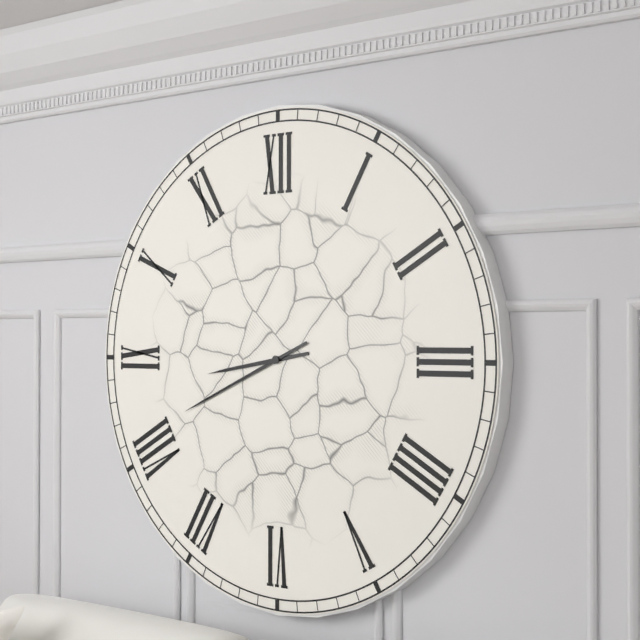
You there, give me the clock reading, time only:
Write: 8:41
